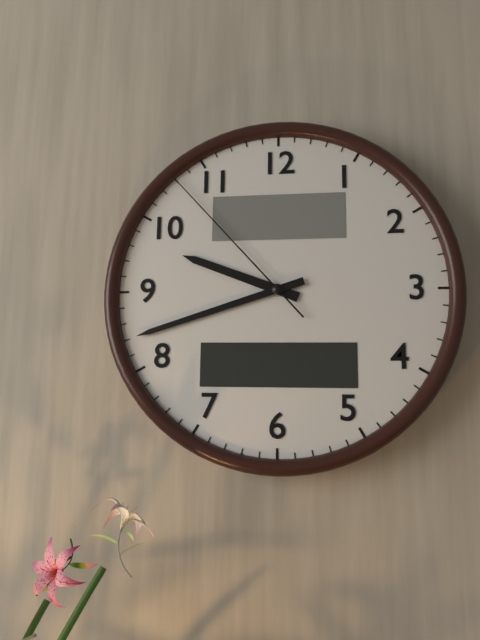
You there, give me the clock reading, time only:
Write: 9:42:53
